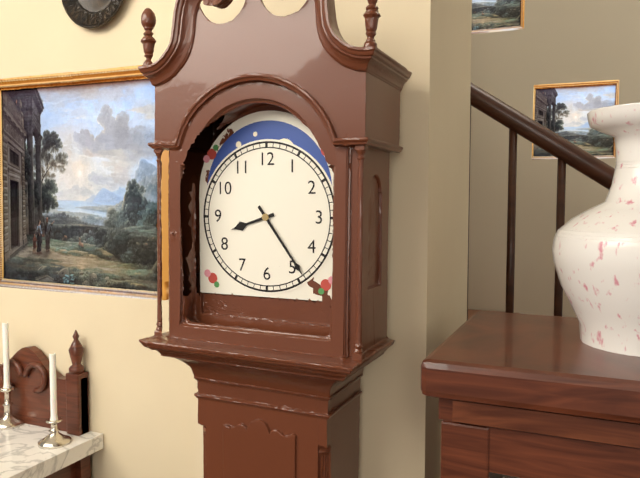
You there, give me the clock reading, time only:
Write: 8:24
